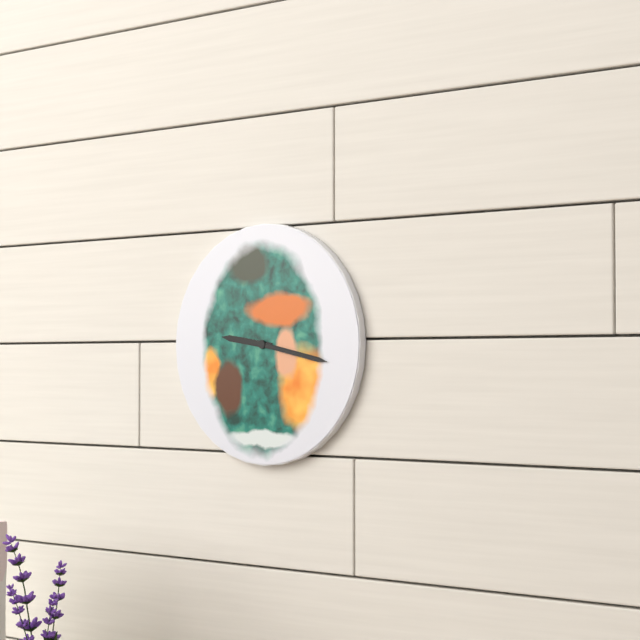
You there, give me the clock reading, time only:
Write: 9:17
